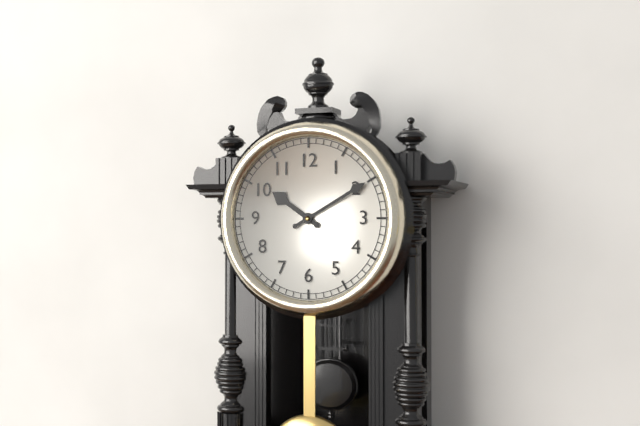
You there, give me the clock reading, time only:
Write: 10:10
